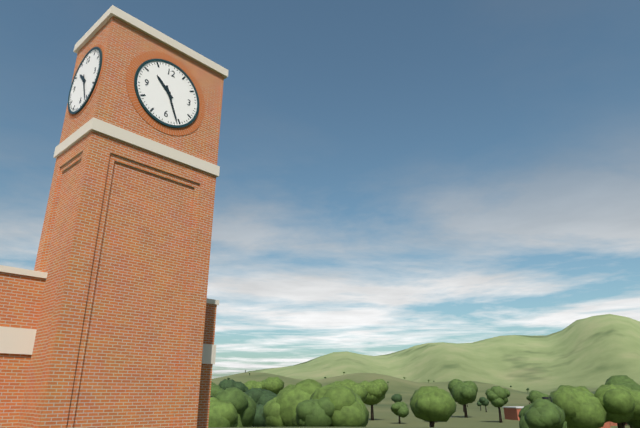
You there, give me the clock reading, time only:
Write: 10:26
